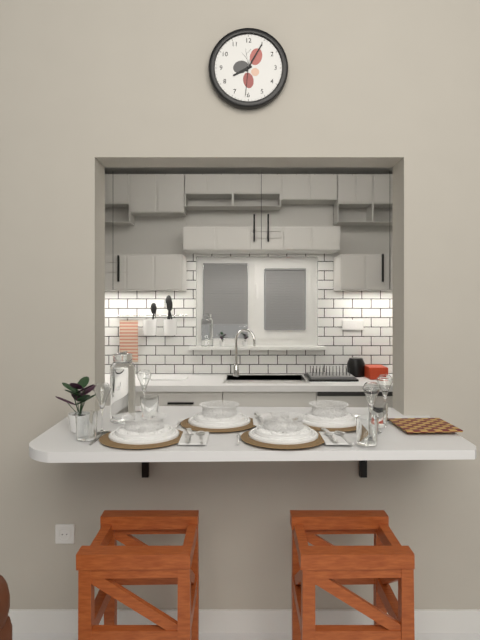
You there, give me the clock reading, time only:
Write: 8:05
